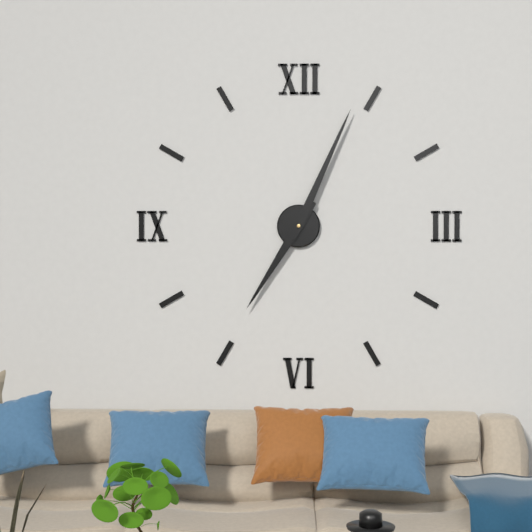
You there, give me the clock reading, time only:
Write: 7:04
